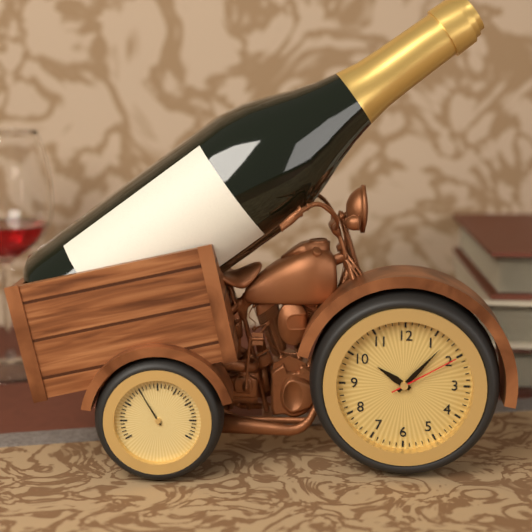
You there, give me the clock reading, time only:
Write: 10:07:10
